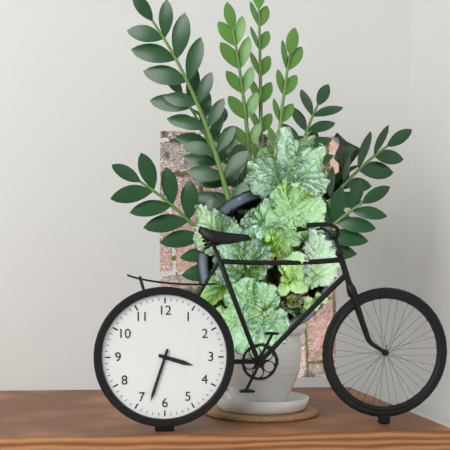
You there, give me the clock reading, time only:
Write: 3:33
